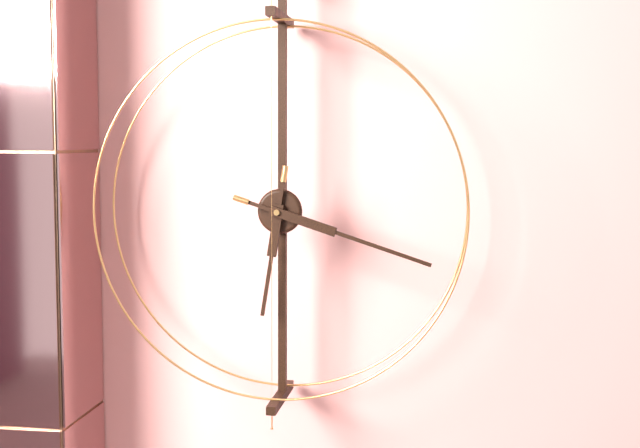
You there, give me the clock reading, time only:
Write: 6:18
